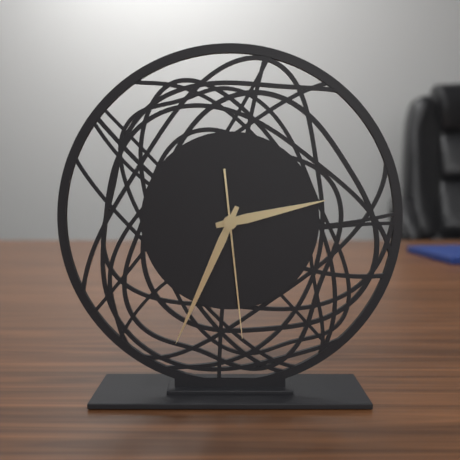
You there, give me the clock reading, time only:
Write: 2:34:29
